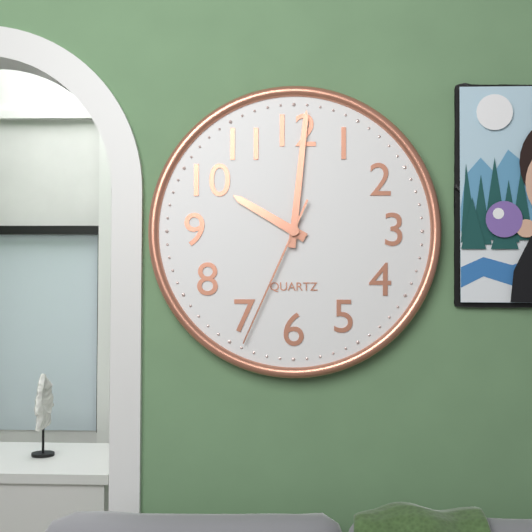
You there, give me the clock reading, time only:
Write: 10:01:34
